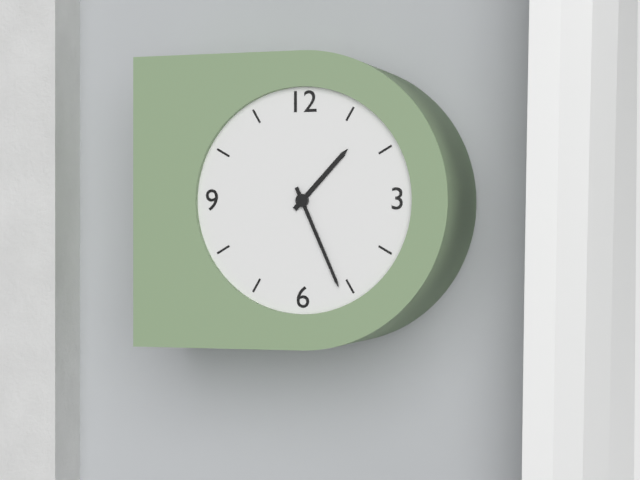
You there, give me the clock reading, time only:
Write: 1:26
